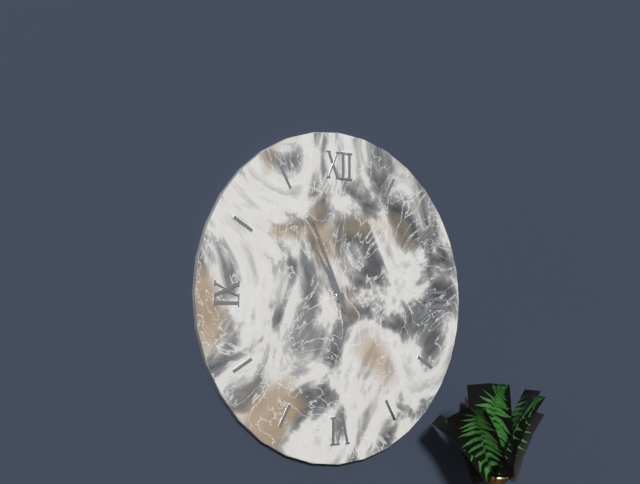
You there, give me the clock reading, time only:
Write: 10:56
